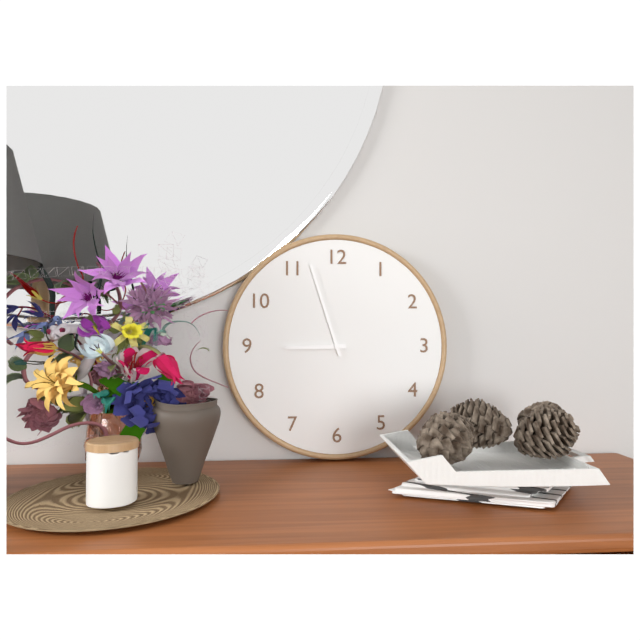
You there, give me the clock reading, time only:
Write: 8:57
